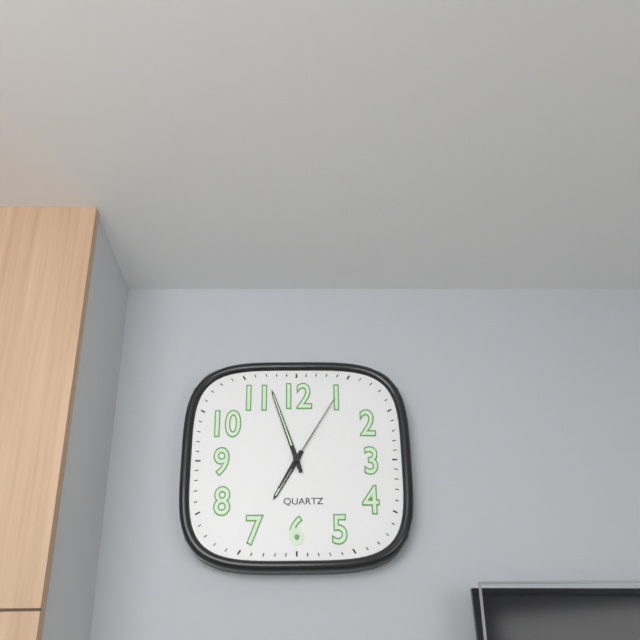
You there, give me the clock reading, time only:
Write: 6:57:05
